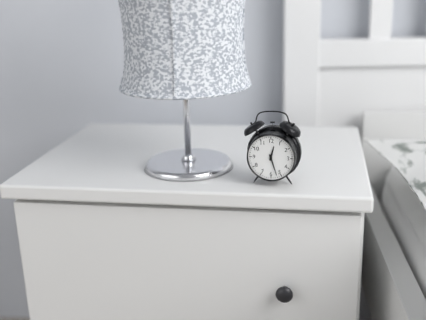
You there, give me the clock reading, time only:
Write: 12:27
